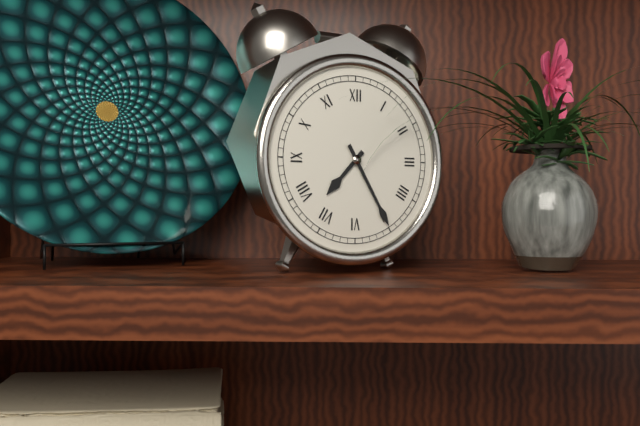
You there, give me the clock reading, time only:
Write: 7:25
